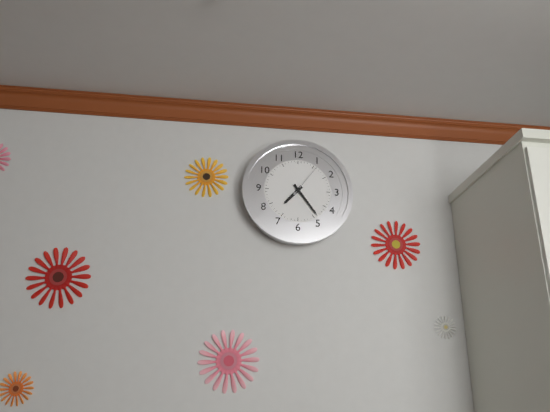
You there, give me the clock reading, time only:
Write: 7:24
